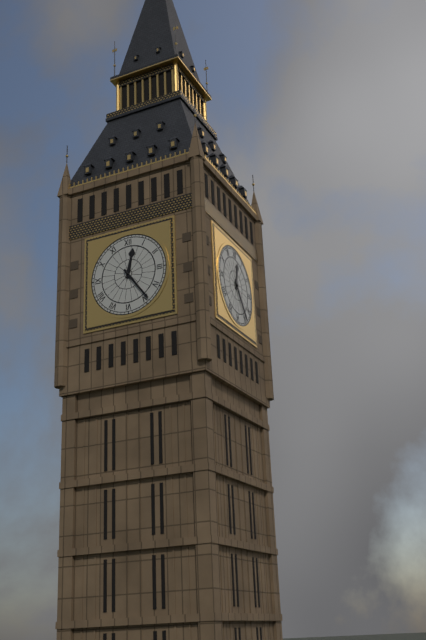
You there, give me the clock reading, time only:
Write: 12:24
